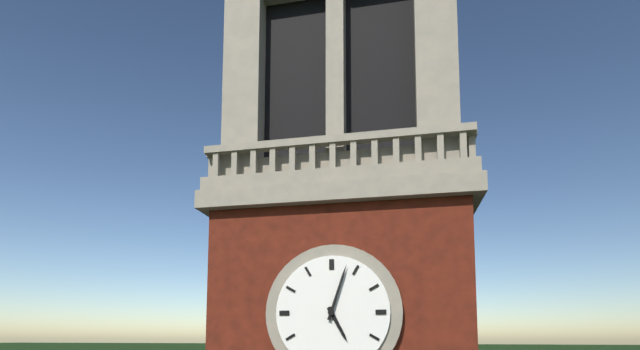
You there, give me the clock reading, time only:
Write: 5:03
